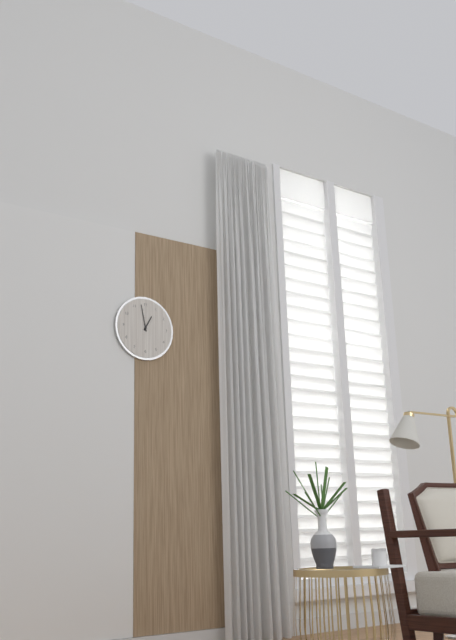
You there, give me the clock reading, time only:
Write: 12:58
